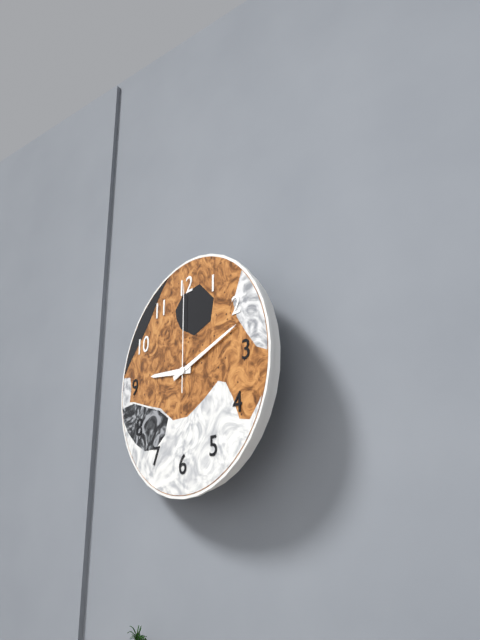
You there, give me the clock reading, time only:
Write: 9:12:00
